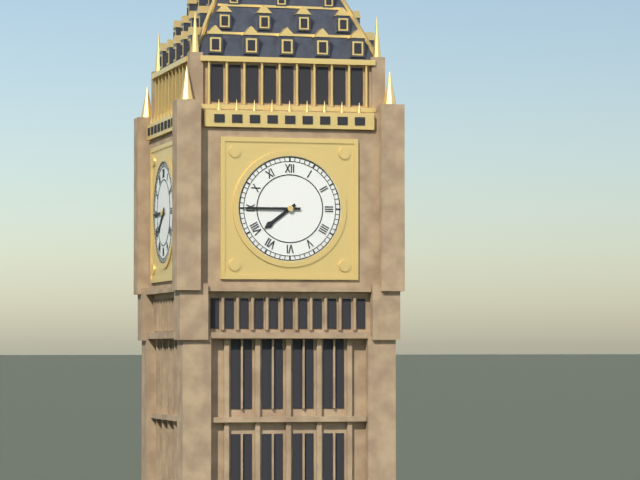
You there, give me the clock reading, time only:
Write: 7:45
